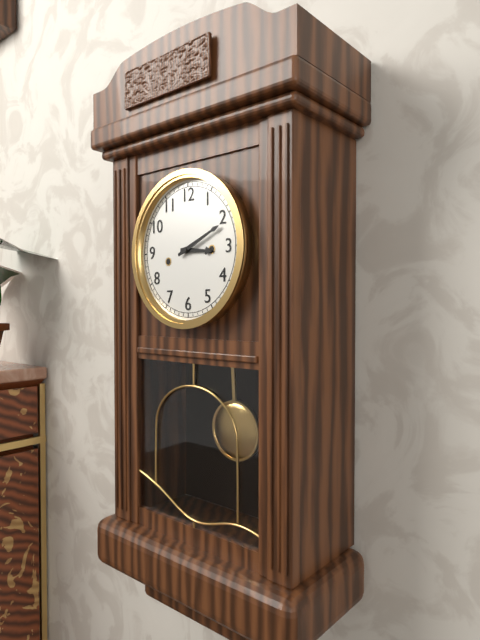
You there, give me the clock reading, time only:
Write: 3:11
